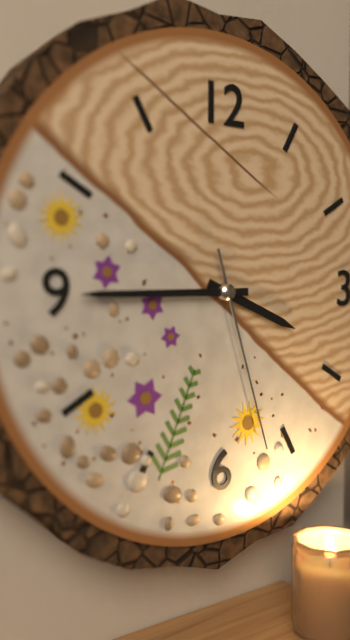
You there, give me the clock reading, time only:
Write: 3:45:27
